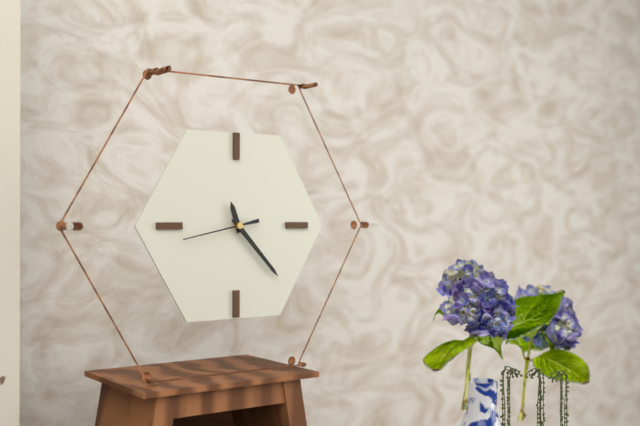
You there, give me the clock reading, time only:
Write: 11:23:43
